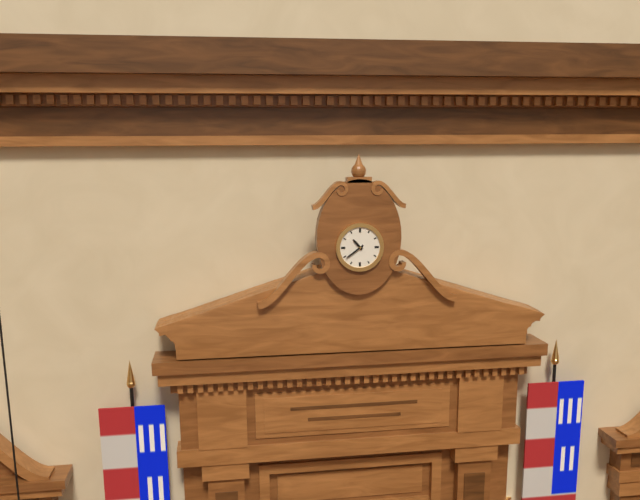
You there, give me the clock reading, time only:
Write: 10:39
